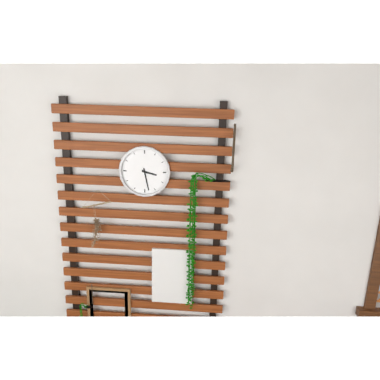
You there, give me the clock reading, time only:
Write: 3:28
